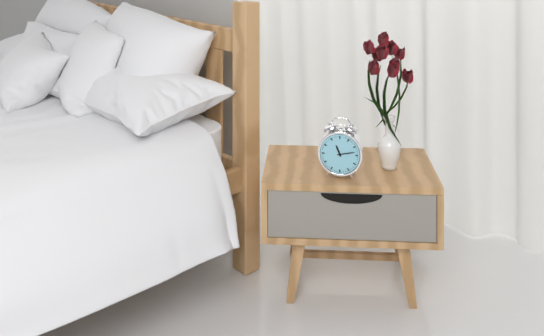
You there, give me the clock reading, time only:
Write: 11:13
